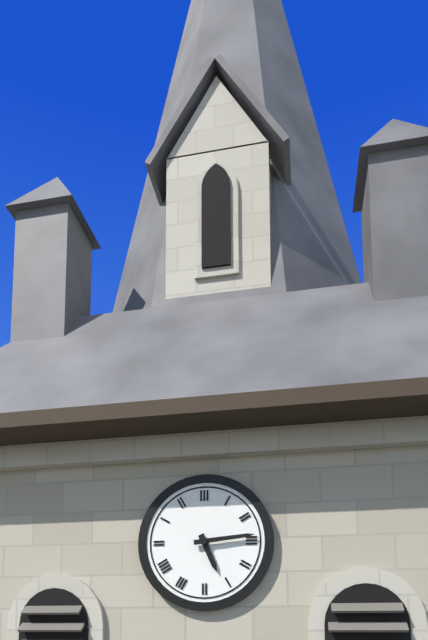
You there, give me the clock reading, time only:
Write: 5:14
